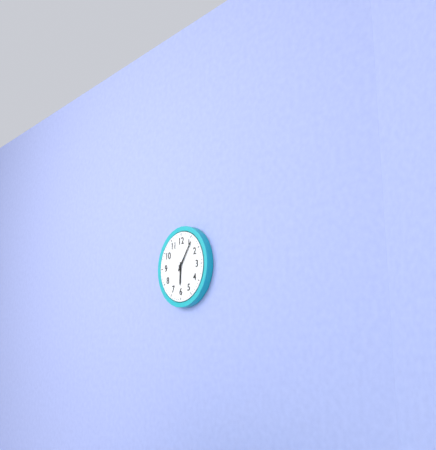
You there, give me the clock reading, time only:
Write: 6:06
